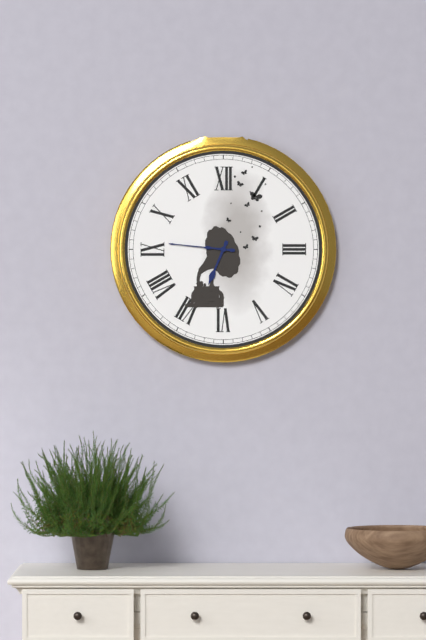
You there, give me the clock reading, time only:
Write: 6:46
